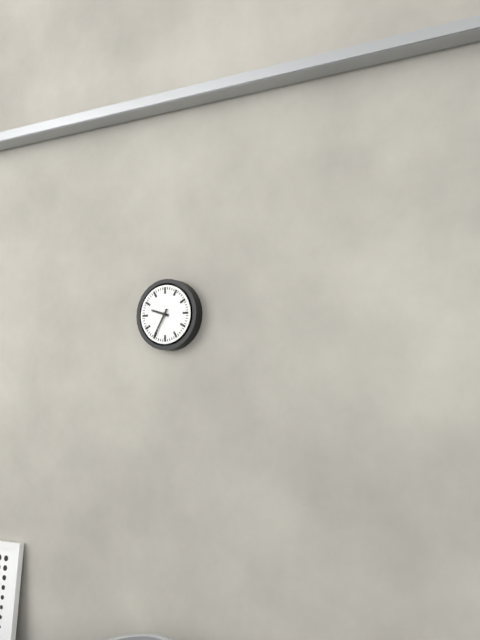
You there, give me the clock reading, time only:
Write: 9:35
